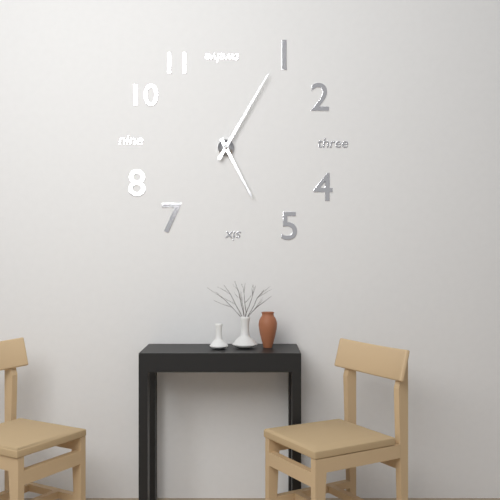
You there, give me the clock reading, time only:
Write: 5:05
